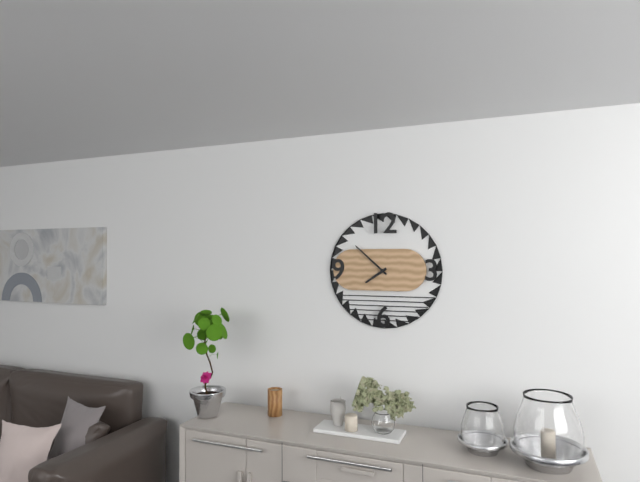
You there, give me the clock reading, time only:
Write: 7:52
